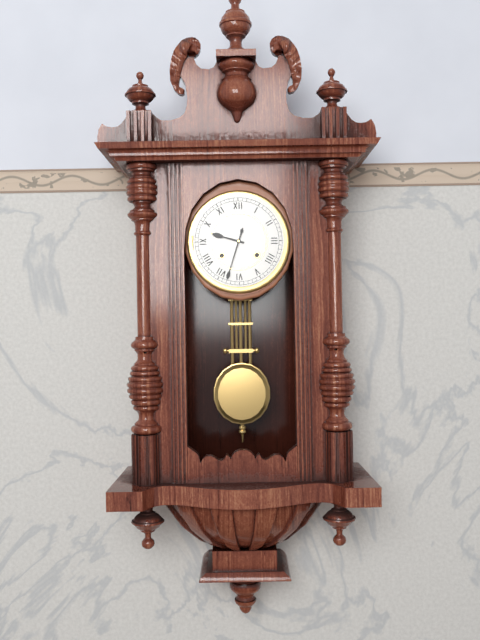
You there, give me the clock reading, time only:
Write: 9:33
